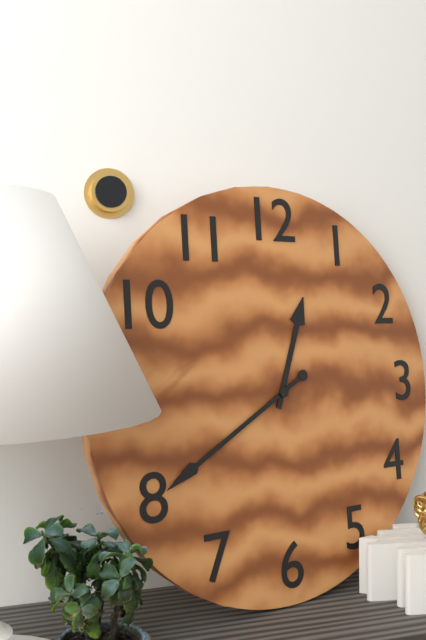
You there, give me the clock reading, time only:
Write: 12:40
